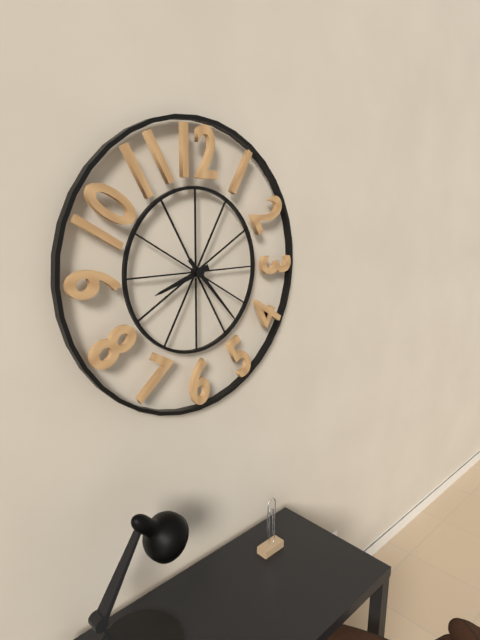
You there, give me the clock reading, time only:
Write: 8:23
